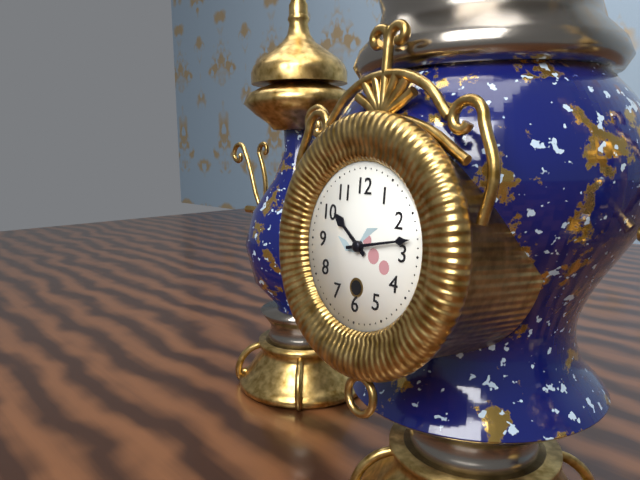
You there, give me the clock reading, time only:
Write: 10:13
